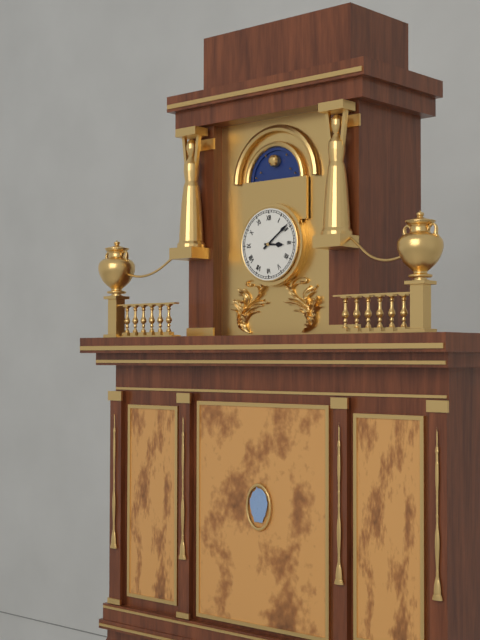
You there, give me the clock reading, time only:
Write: 3:09
